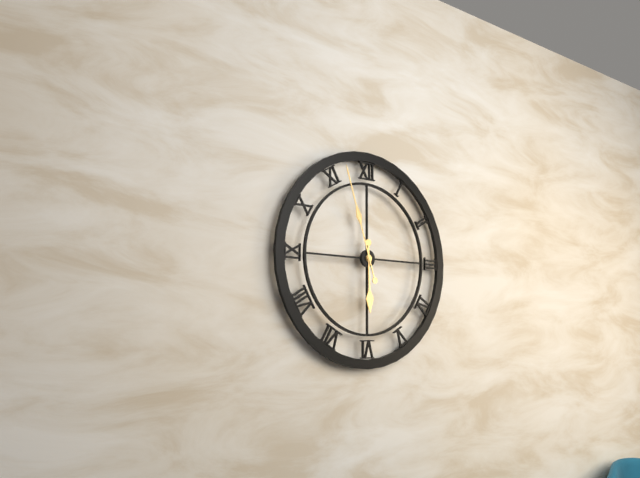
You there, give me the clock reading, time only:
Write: 5:57
